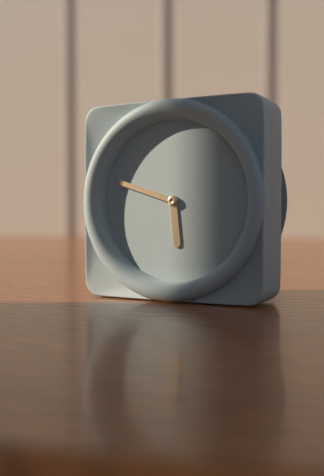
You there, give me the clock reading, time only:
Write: 5:48
